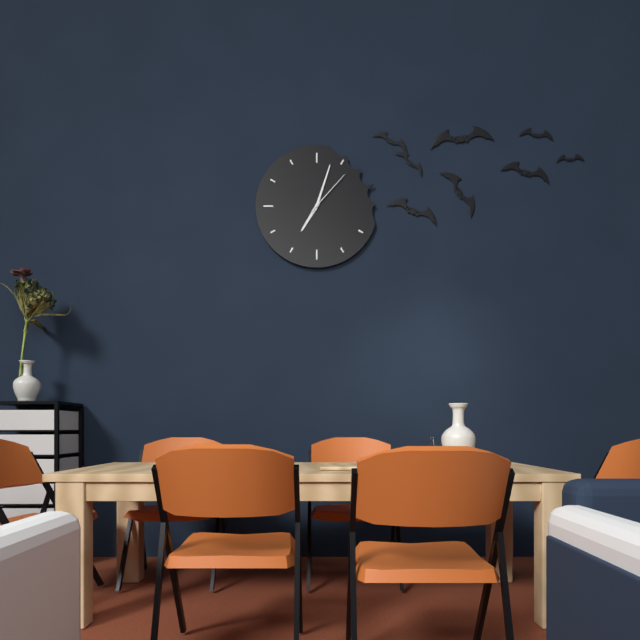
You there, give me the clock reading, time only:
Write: 7:03:07
